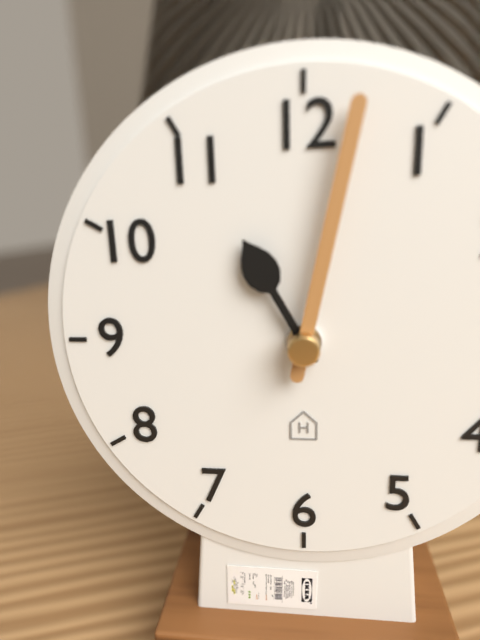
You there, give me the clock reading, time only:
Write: 11:02
